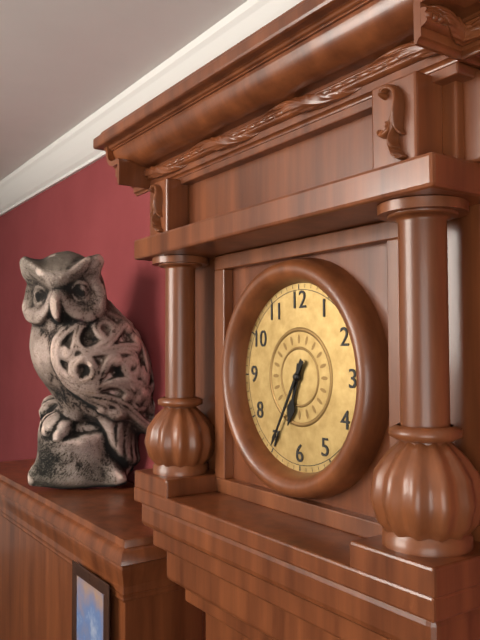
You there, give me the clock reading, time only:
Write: 6:35
